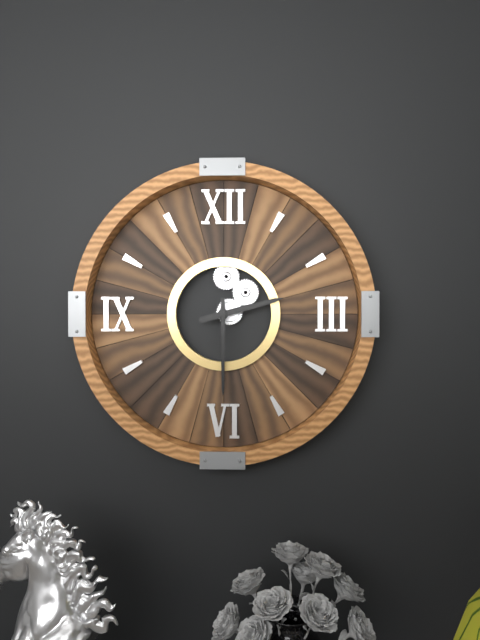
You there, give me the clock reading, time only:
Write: 2:30
